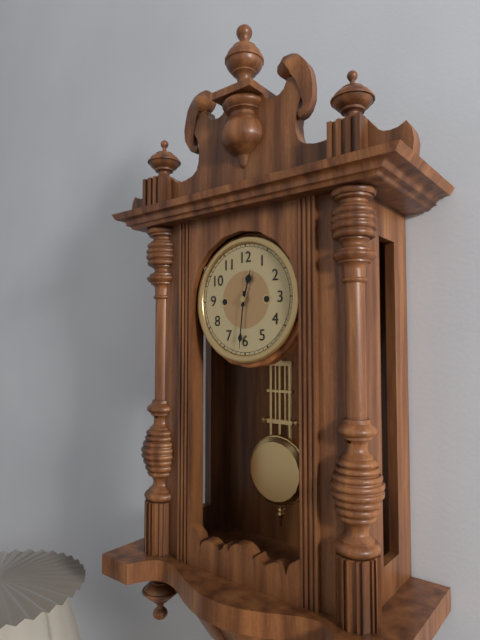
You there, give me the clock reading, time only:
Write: 12:31
